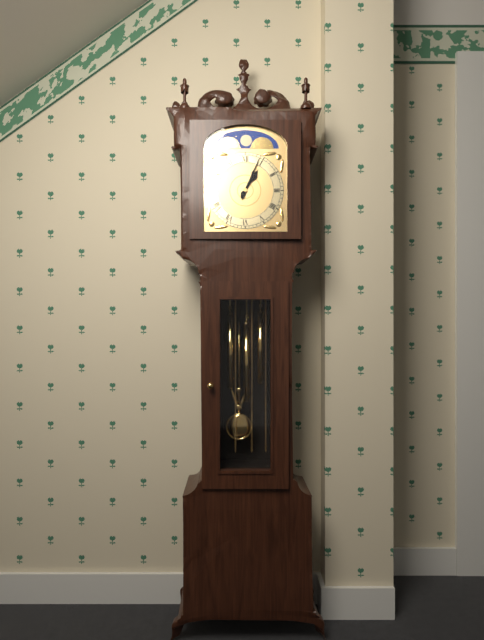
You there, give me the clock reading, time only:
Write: 1:04
